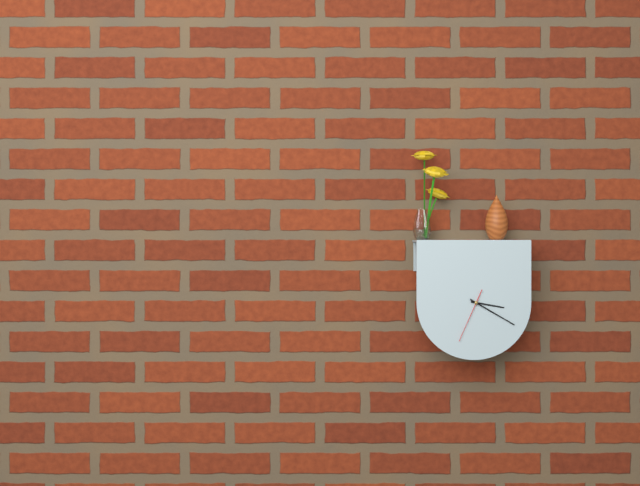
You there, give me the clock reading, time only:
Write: 3:20:34
